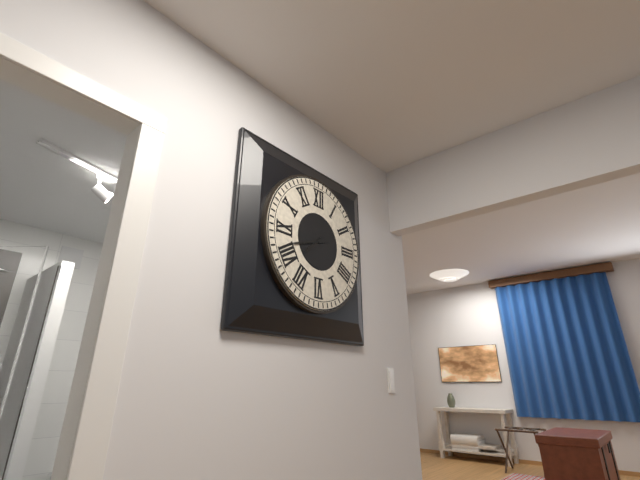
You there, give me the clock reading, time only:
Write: 7:42
